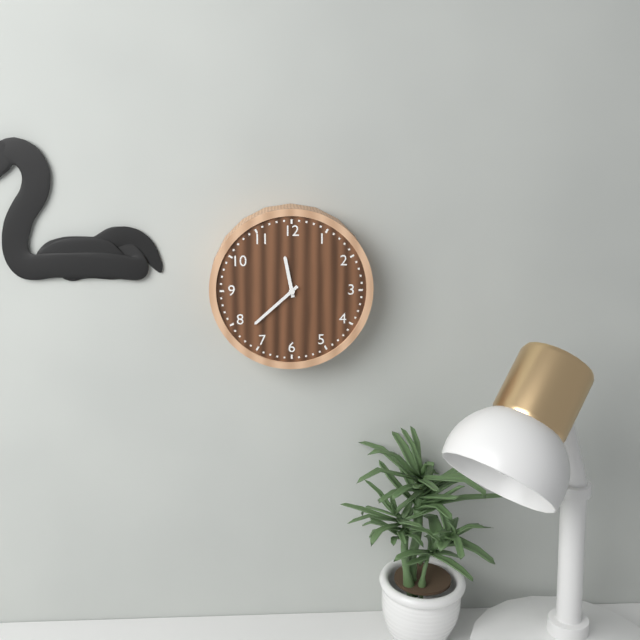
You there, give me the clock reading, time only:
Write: 11:38
